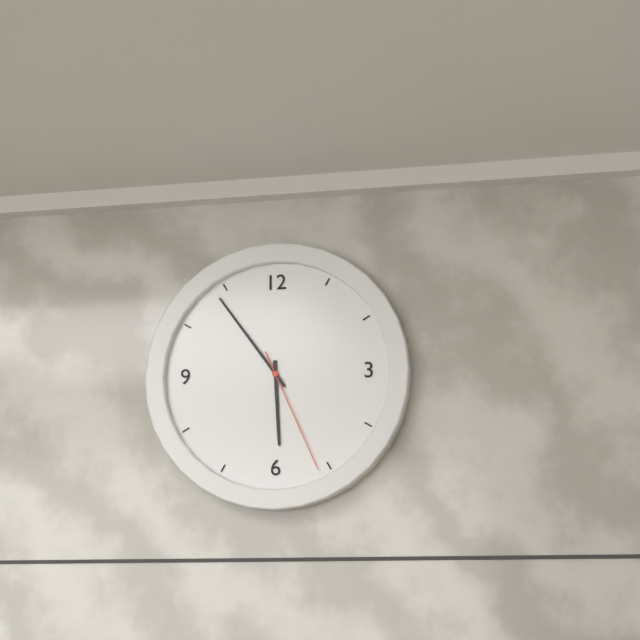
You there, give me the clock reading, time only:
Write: 5:54:26
